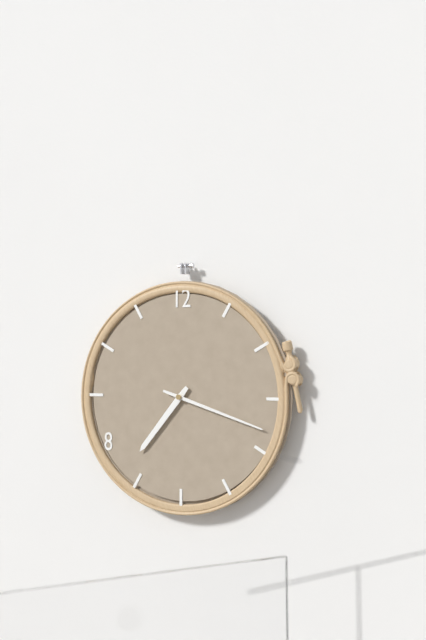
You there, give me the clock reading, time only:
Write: 7:18
